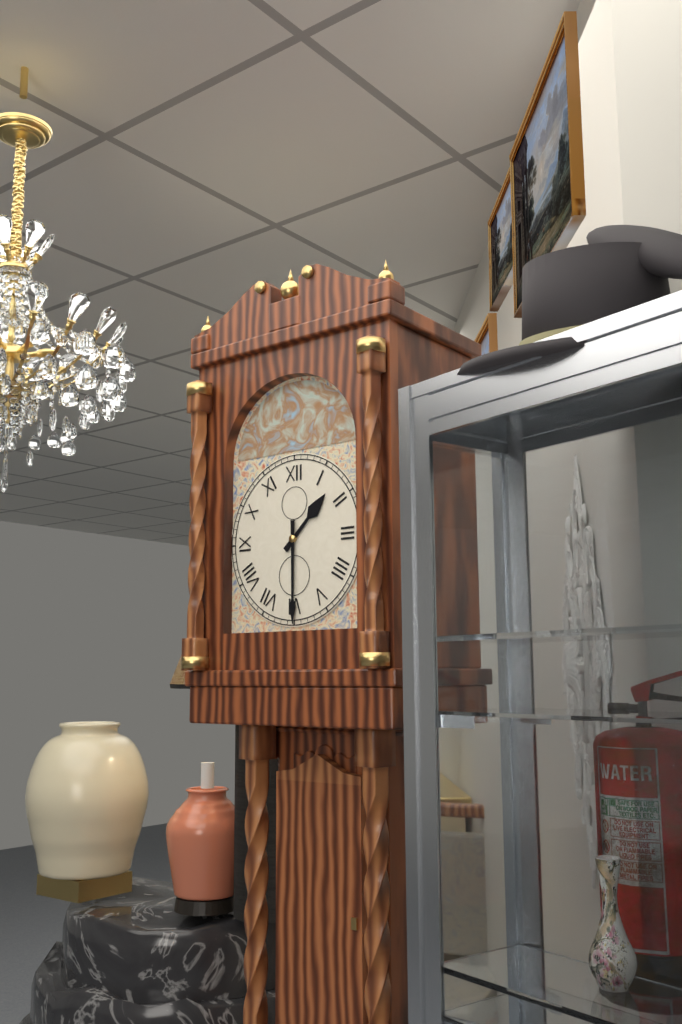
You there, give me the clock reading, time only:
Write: 1:30
